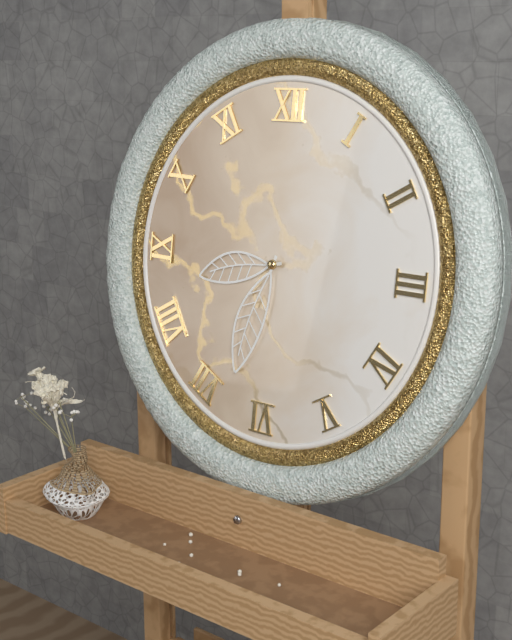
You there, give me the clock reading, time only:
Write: 8:33
